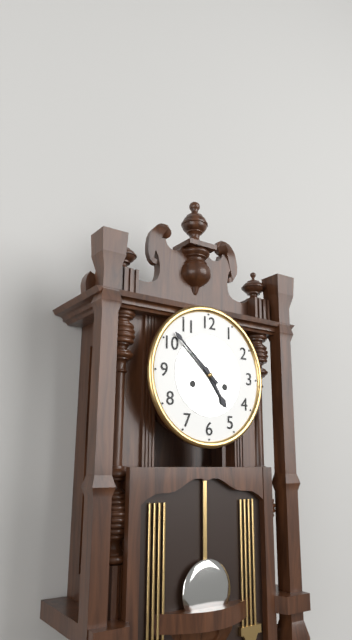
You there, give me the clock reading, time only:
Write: 4:52
